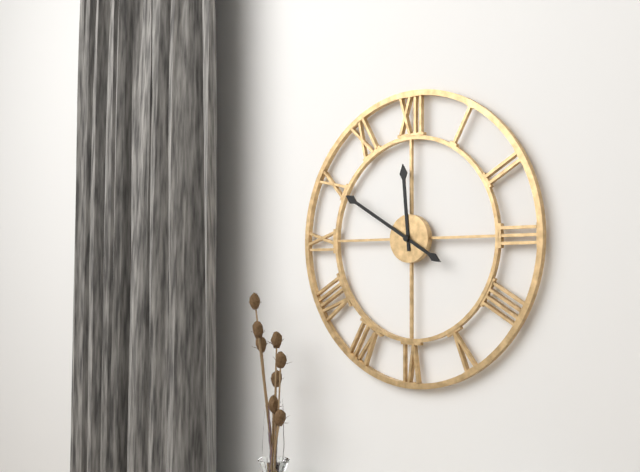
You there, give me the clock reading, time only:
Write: 11:50
